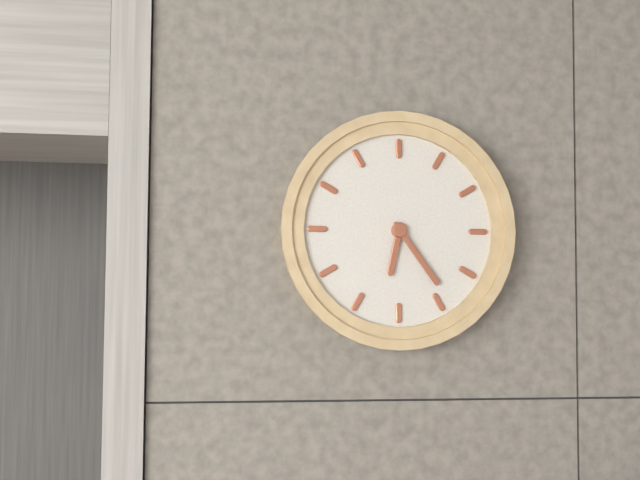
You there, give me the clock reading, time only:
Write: 6:24
